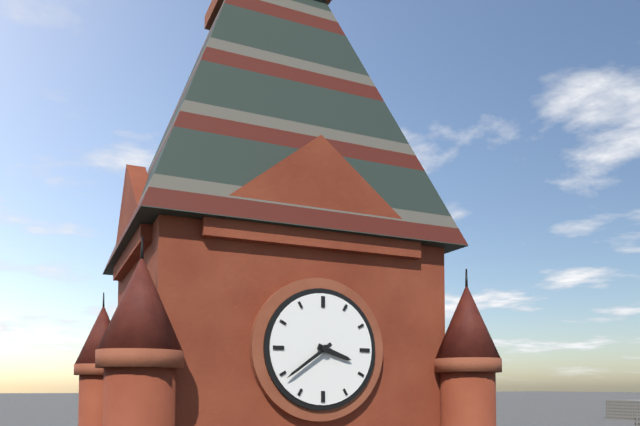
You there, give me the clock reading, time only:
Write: 3:39
